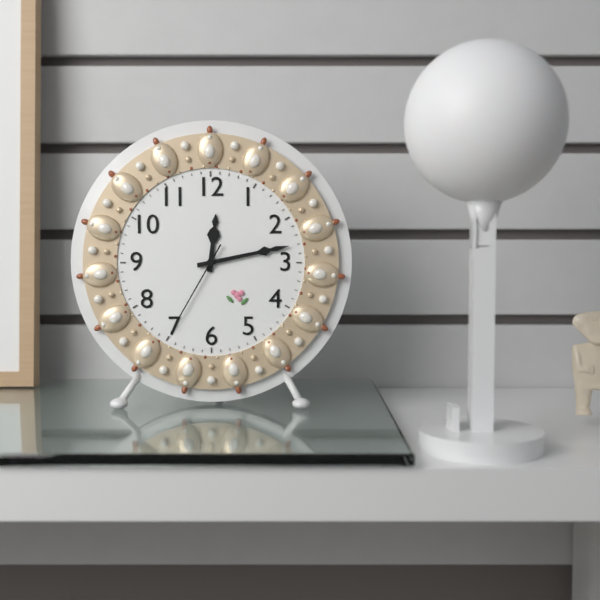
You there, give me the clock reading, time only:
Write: 12:13:35
